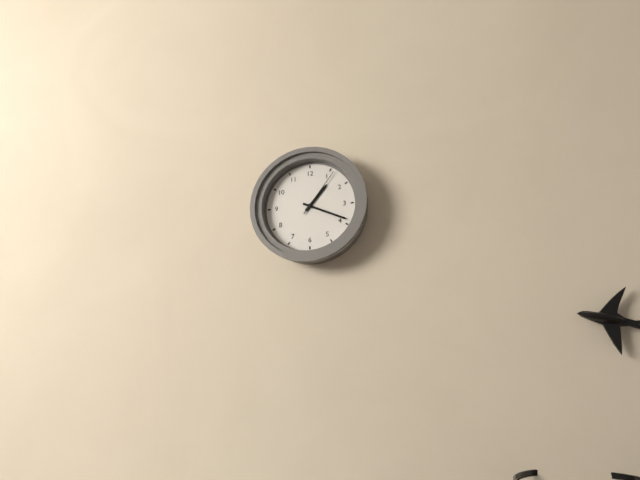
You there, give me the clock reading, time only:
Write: 1:19:06
